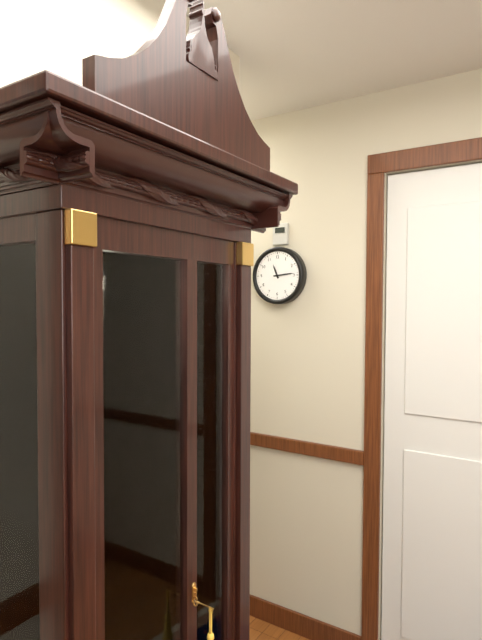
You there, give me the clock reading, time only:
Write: 11:14
